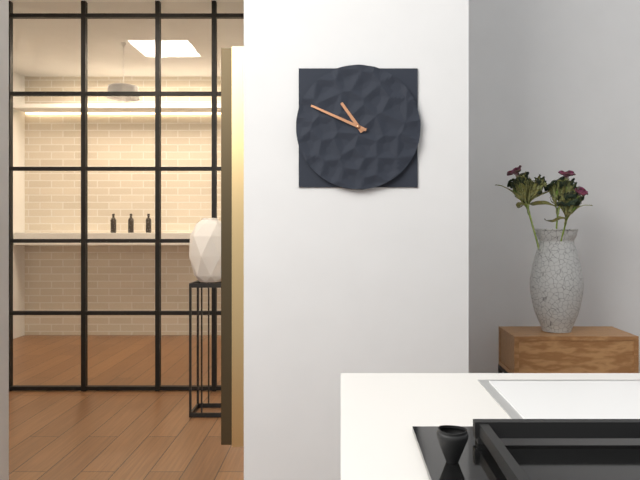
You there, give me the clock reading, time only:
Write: 10:49
